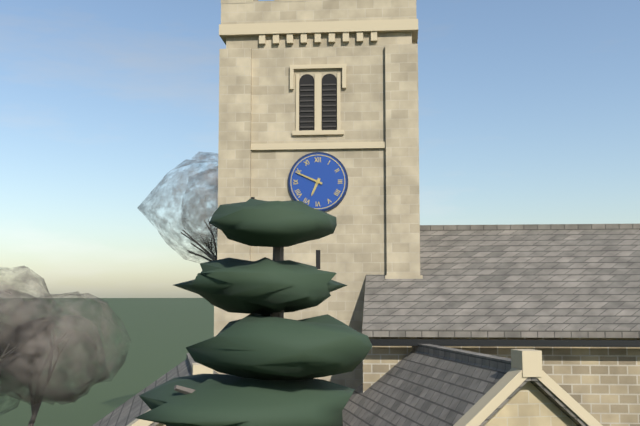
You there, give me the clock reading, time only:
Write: 6:49
